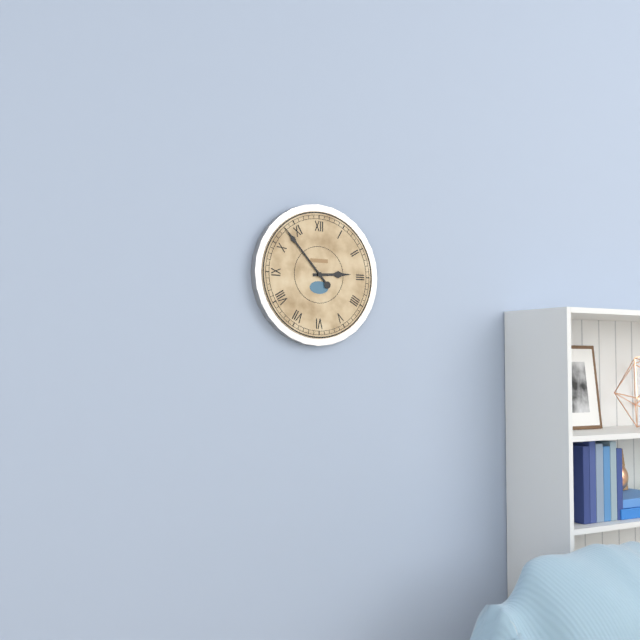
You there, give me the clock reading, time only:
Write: 2:53
